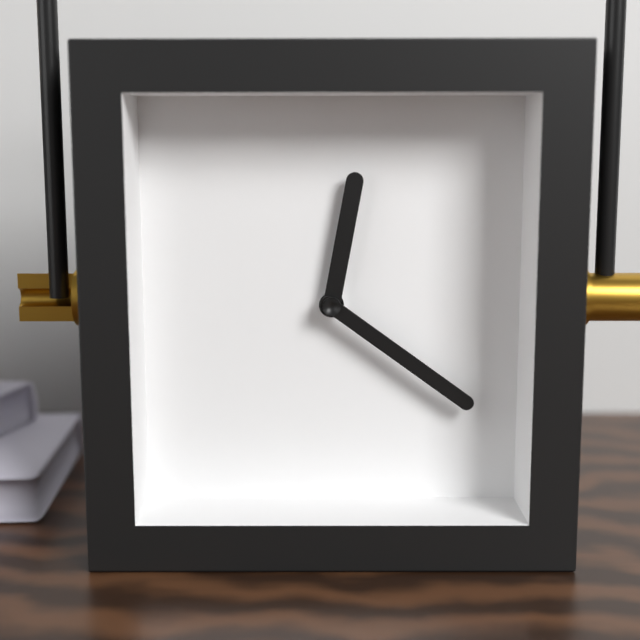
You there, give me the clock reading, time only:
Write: 12:21
